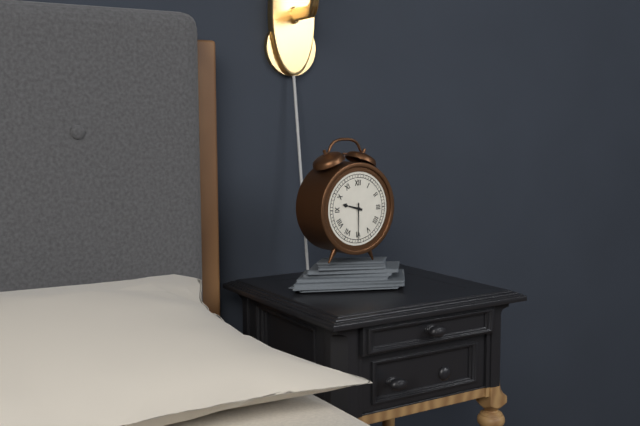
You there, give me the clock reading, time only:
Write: 9:30
